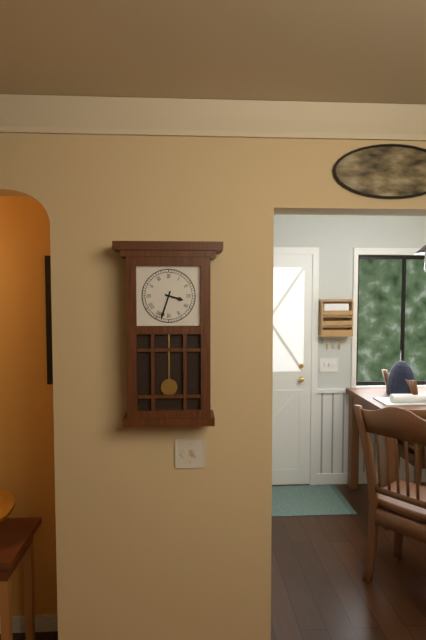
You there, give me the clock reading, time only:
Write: 3:33
